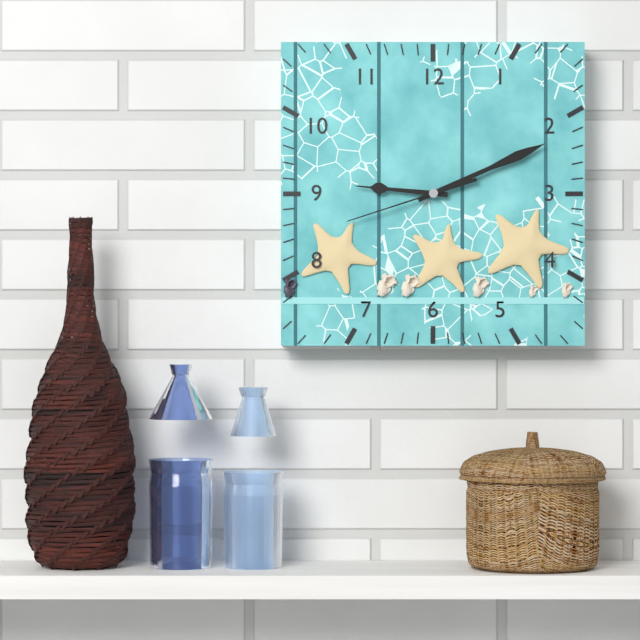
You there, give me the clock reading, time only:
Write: 9:11:42
